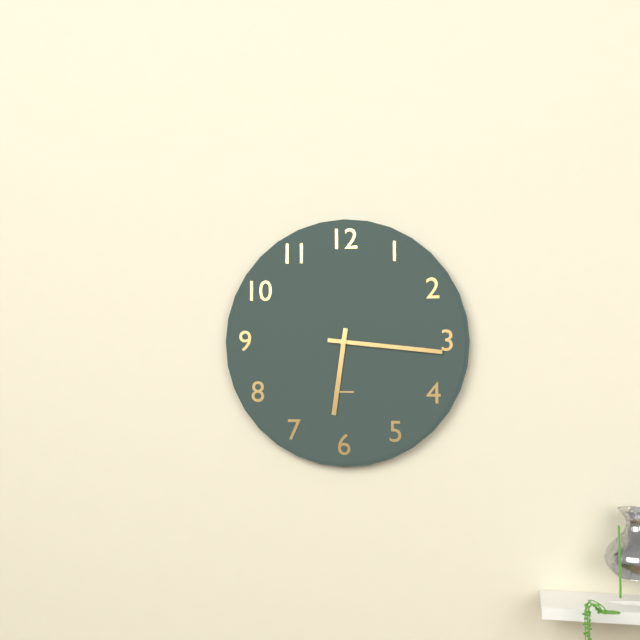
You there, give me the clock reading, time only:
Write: 6:16
